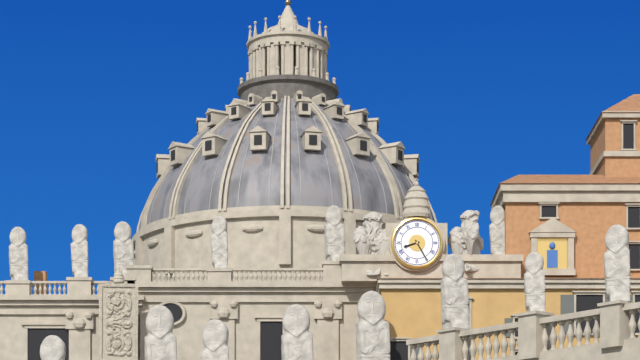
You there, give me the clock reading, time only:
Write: 8:25
